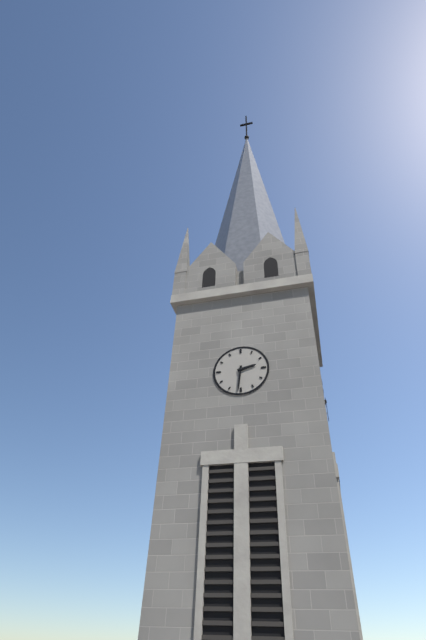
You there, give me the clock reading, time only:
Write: 2:31
